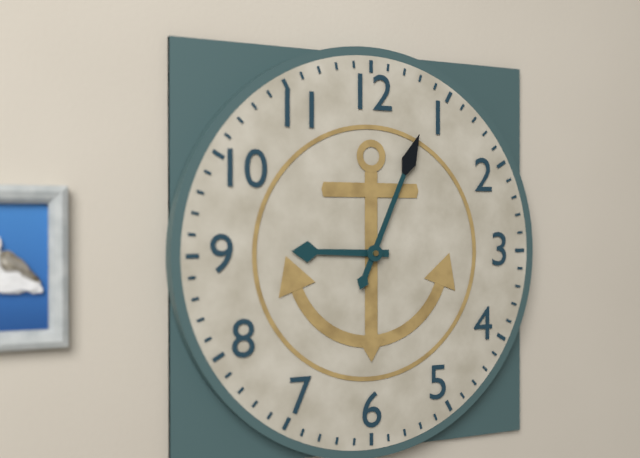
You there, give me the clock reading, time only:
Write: 9:04
